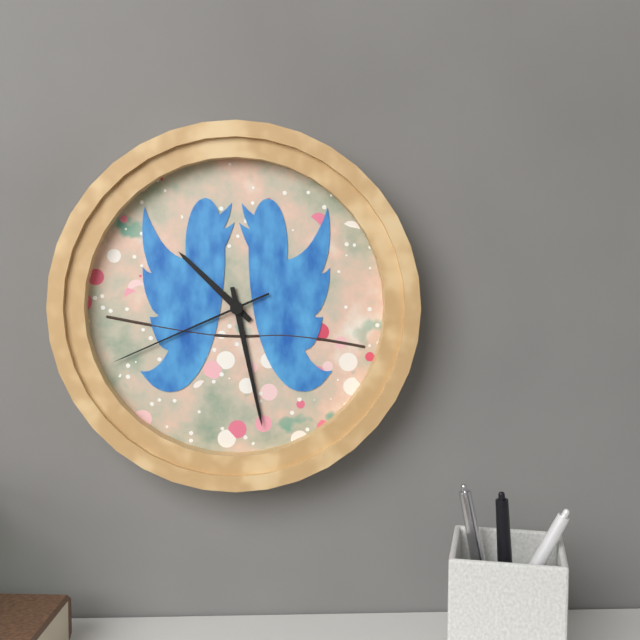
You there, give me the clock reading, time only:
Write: 10:28:41
